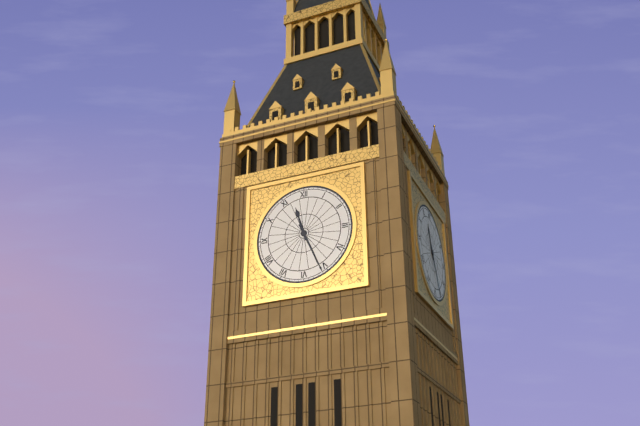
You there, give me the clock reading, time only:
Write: 11:26
